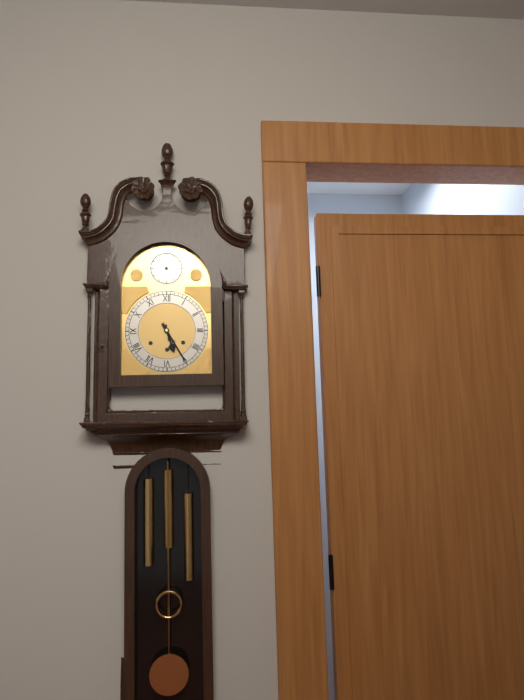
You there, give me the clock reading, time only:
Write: 5:25
